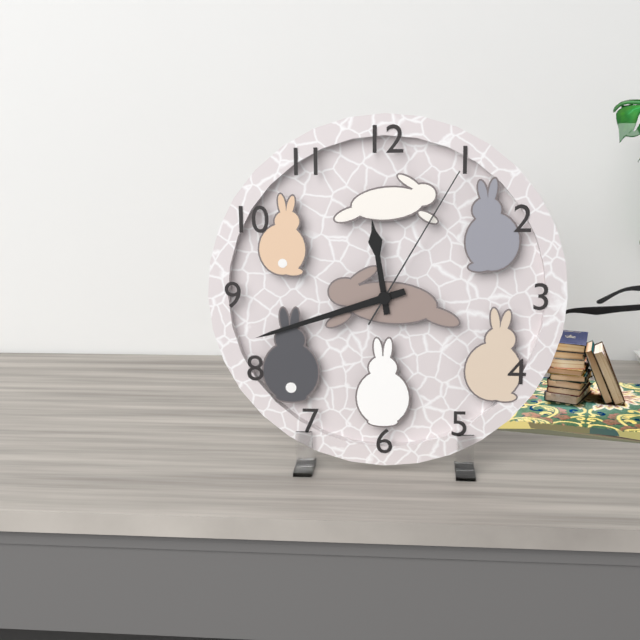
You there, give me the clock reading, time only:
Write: 11:42:05
